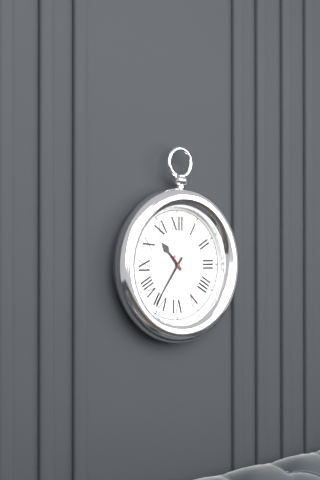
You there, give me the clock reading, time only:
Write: 10:36:25
